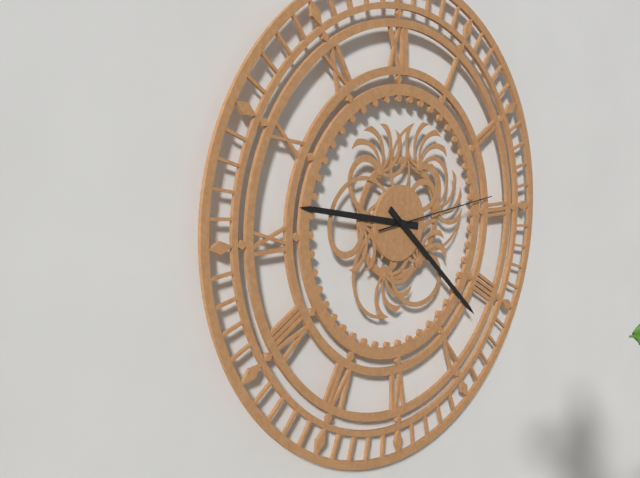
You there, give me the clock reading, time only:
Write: 9:22:14
